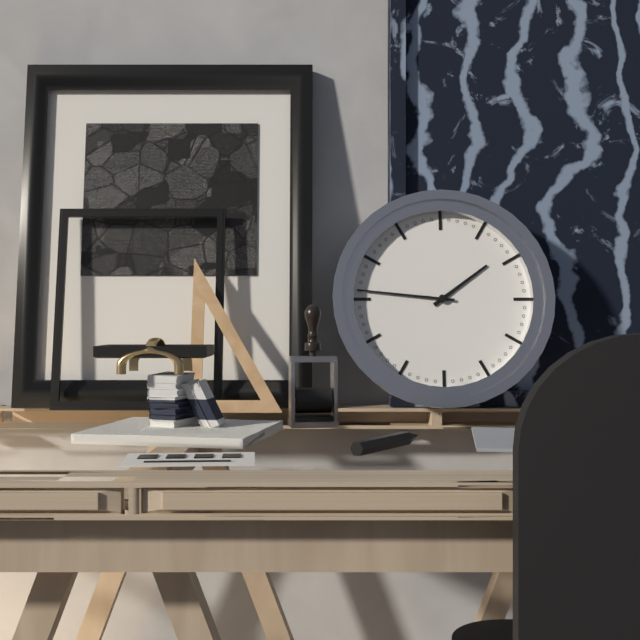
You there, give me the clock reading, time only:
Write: 1:46
